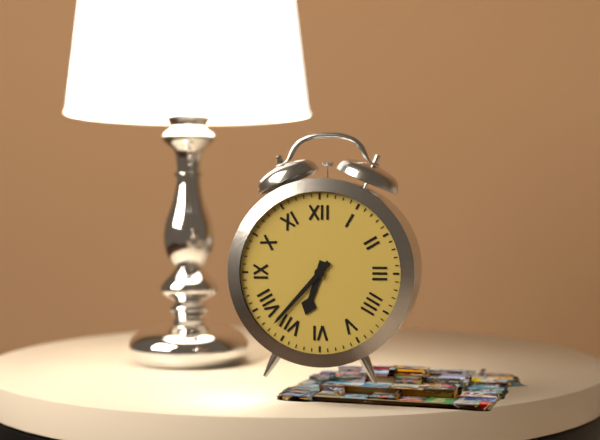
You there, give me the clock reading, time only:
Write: 6:37
